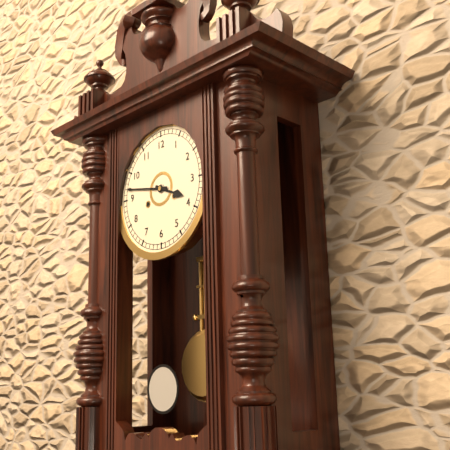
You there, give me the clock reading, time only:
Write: 3:47
